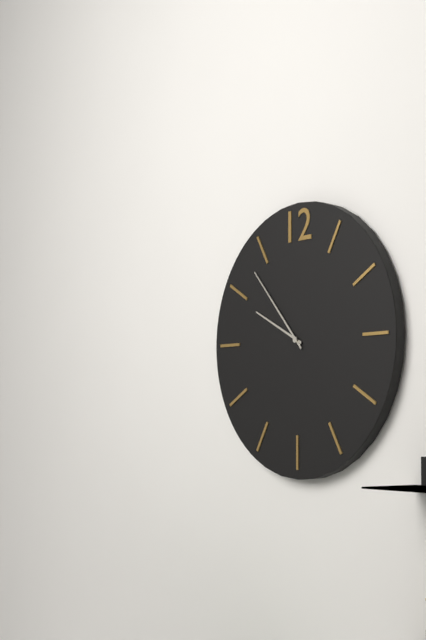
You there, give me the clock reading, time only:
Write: 9:53
